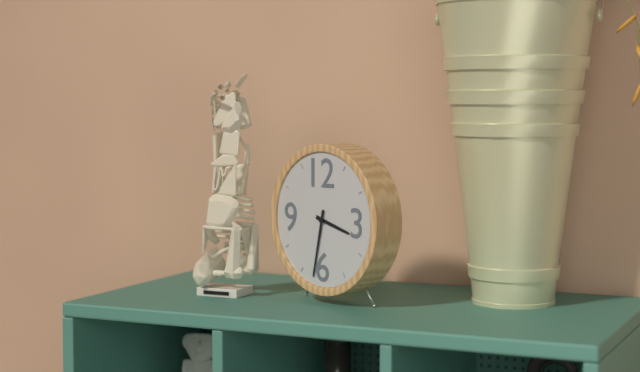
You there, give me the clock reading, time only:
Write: 3:32
